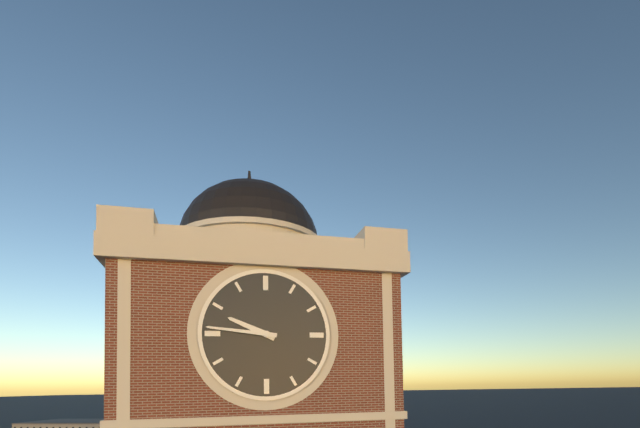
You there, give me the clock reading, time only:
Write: 9:46
